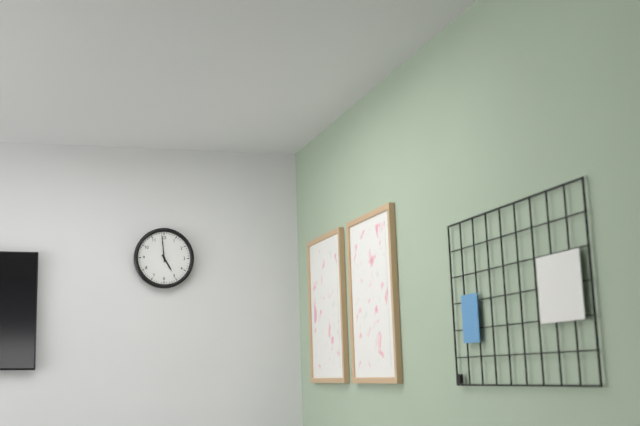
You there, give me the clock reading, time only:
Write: 4:59
